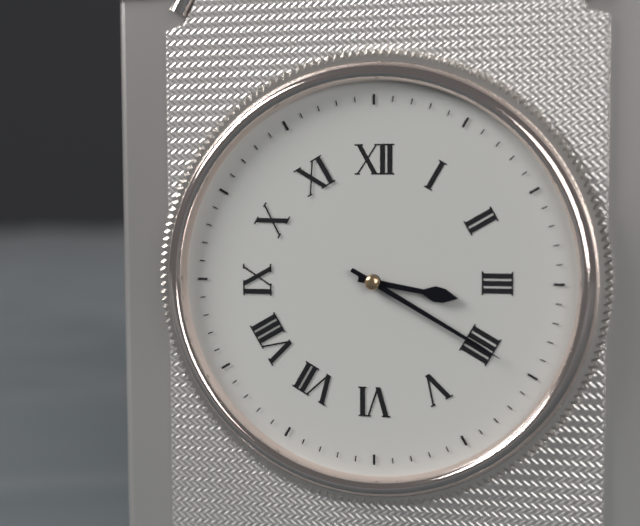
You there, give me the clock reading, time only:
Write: 3:20
